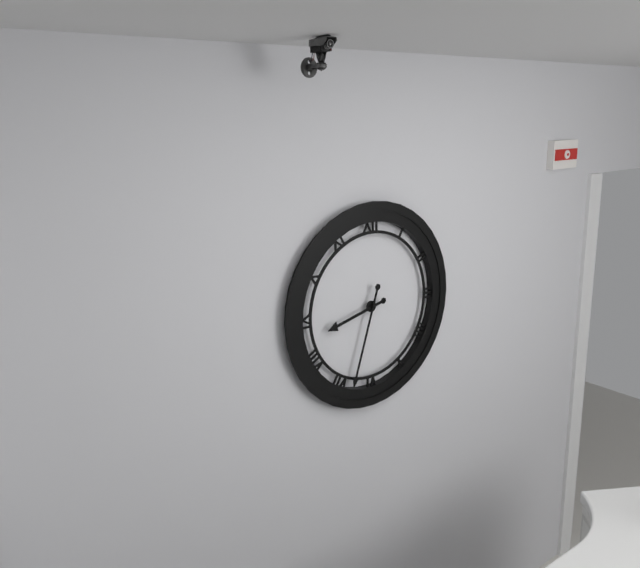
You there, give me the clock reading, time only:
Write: 8:33
